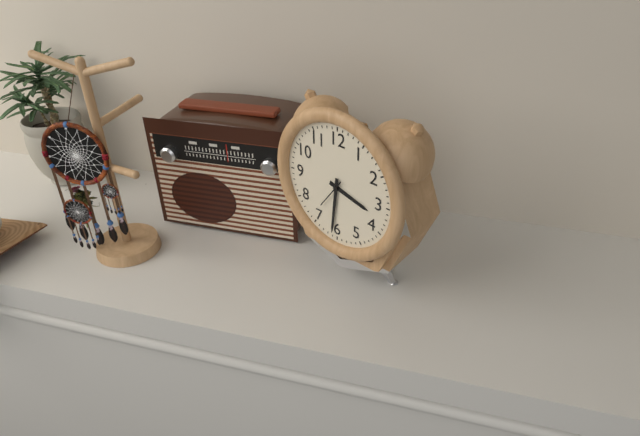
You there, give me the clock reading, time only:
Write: 3:31
